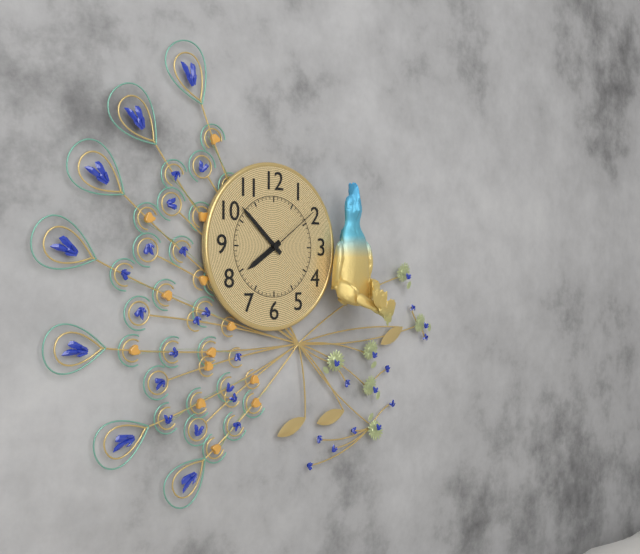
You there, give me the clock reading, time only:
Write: 7:52:09
